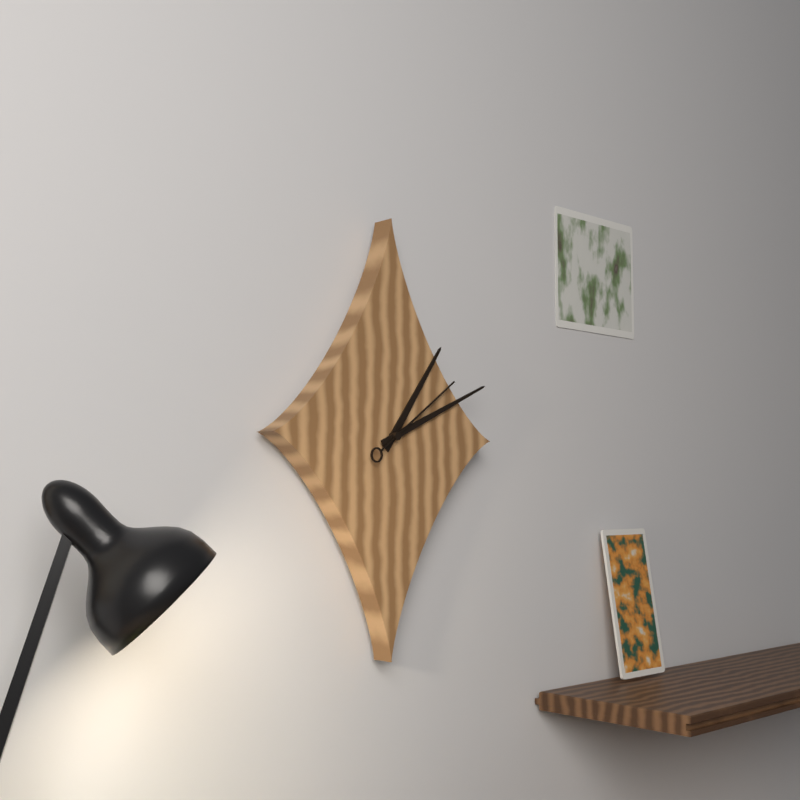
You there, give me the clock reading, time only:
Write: 1:11:09
